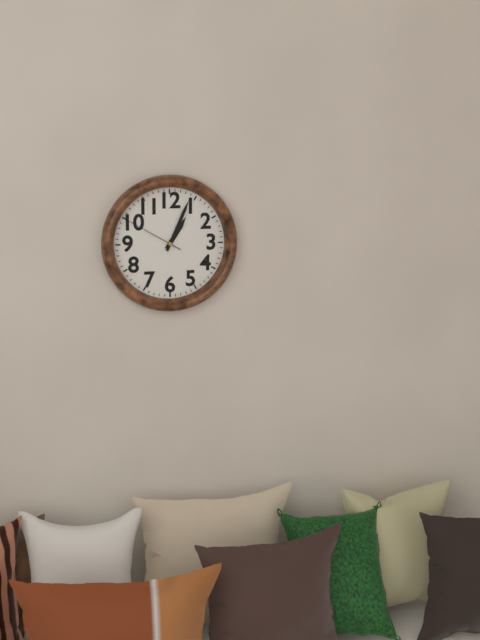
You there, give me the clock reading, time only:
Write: 1:04:50
